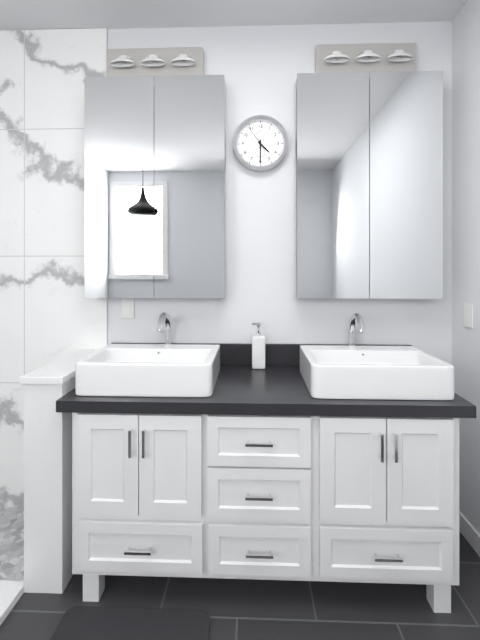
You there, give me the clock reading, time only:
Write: 4:30
